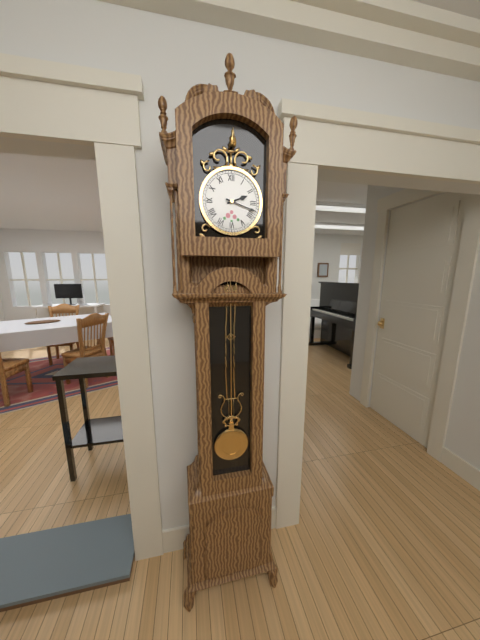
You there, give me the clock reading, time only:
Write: 2:18
